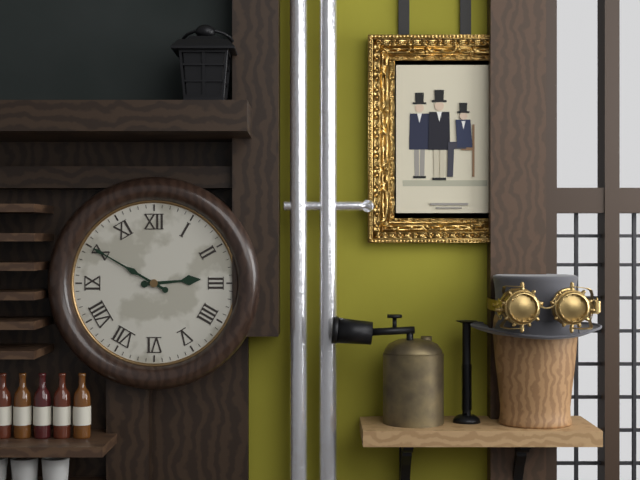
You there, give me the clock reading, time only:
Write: 2:50
